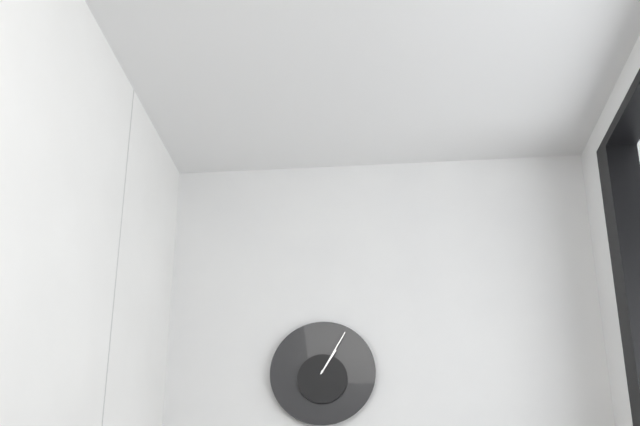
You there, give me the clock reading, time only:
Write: 1:05
